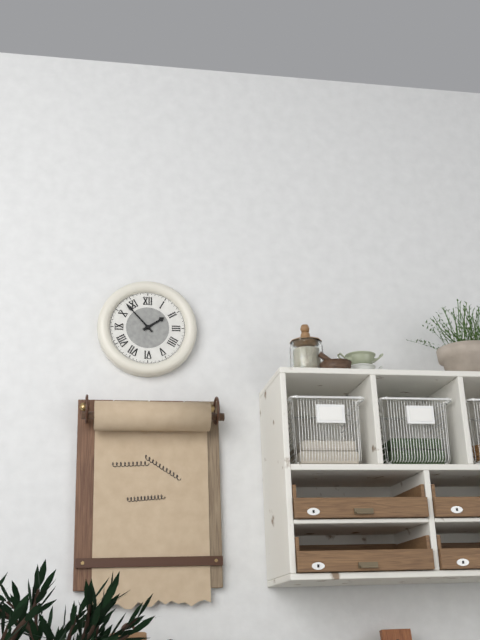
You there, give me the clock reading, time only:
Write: 1:53
